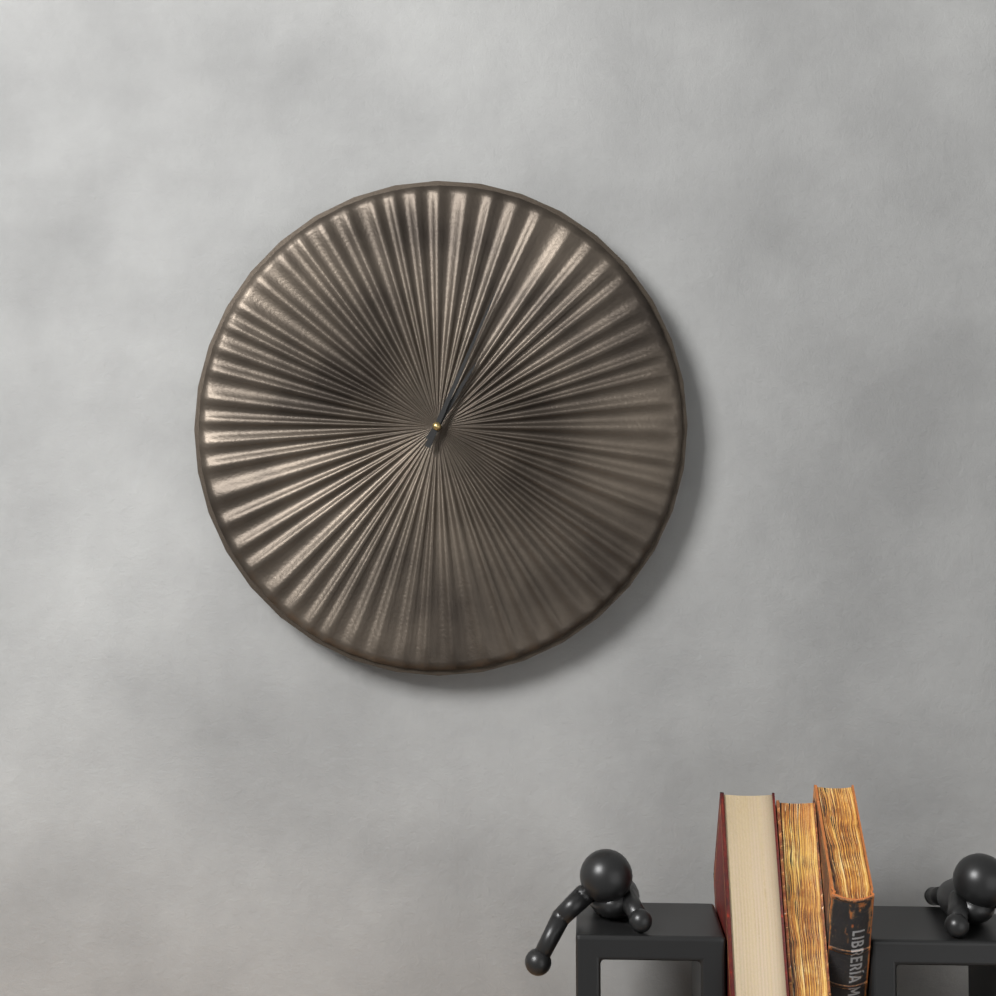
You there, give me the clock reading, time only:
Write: 1:04
